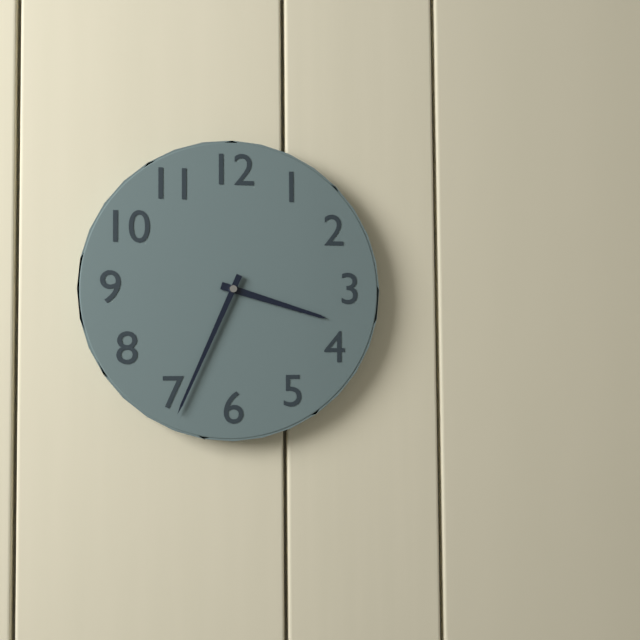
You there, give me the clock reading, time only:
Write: 3:34
